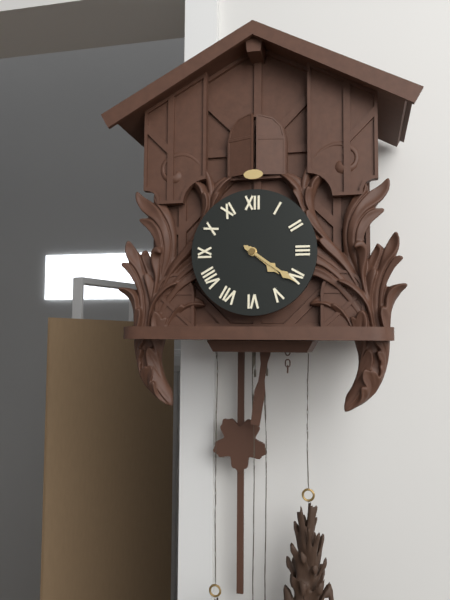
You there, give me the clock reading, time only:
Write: 4:21
